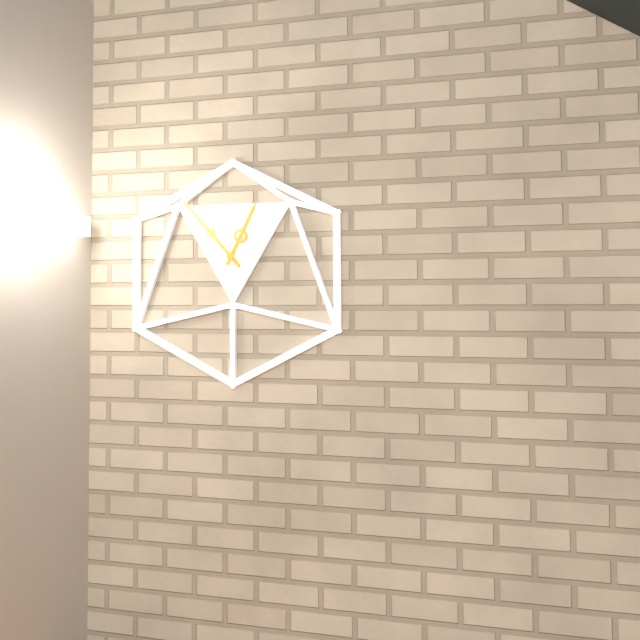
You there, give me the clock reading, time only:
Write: 12:53
